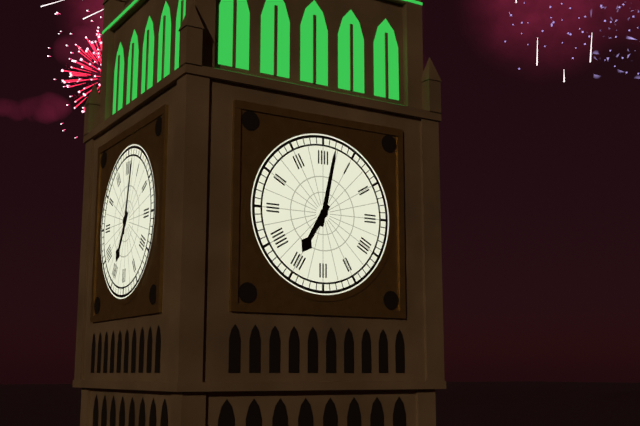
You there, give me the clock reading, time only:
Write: 7:02
